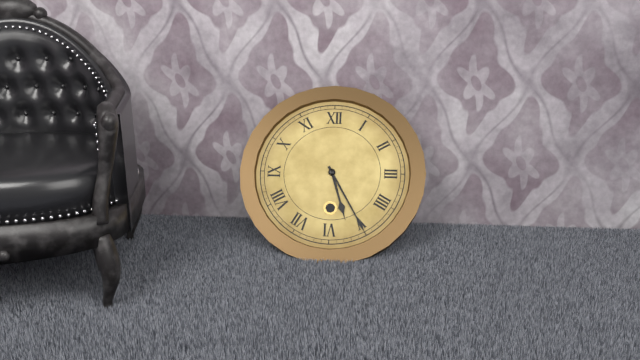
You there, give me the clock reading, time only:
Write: 5:25
